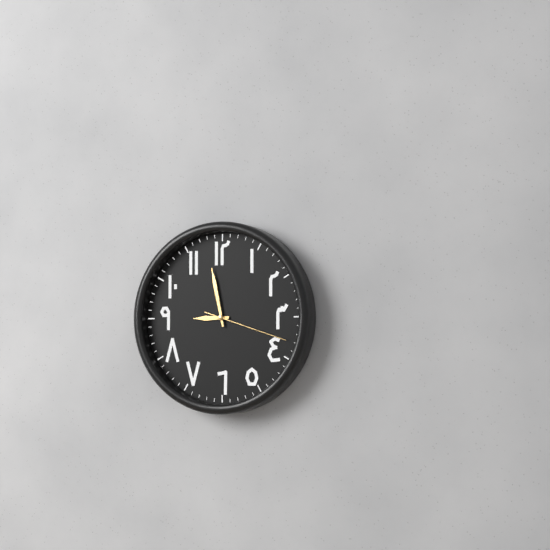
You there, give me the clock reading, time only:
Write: 8:58:18
